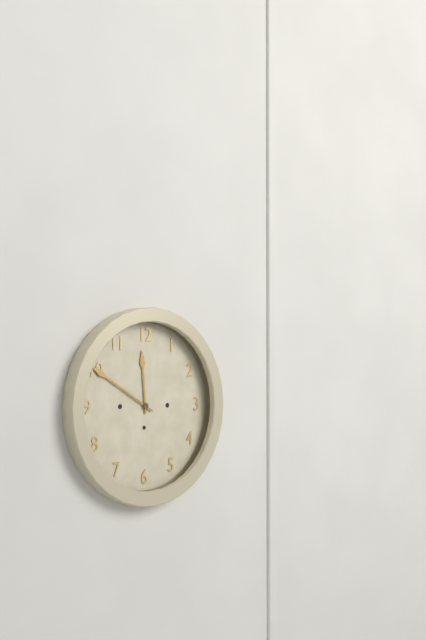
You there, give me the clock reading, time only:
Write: 11:50
